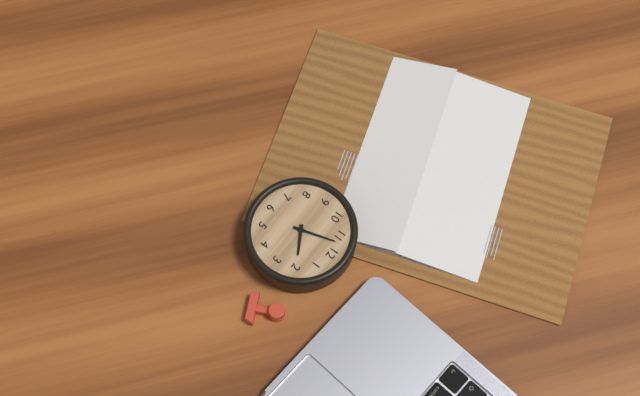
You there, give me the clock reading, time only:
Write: 1:57
